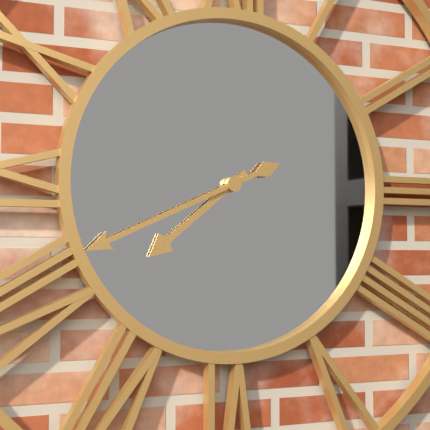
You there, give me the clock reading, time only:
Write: 7:41
